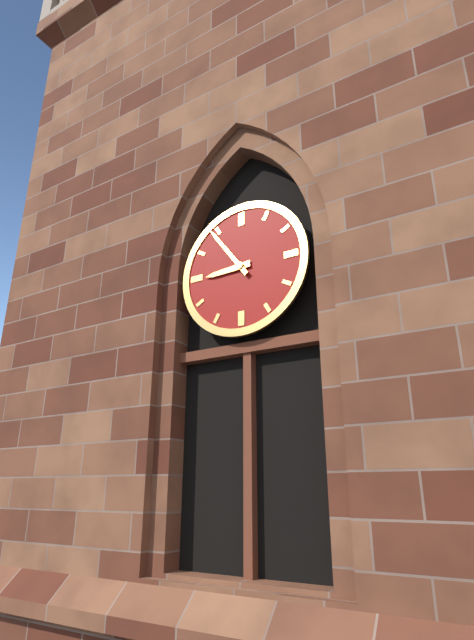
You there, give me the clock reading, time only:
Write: 8:54
